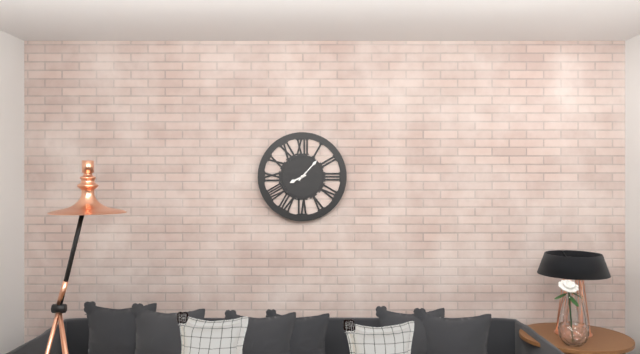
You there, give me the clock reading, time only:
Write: 8:07
